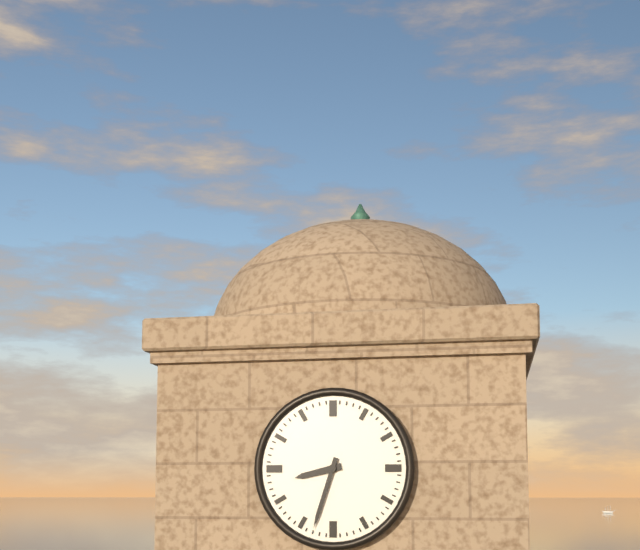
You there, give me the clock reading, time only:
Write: 8:33
